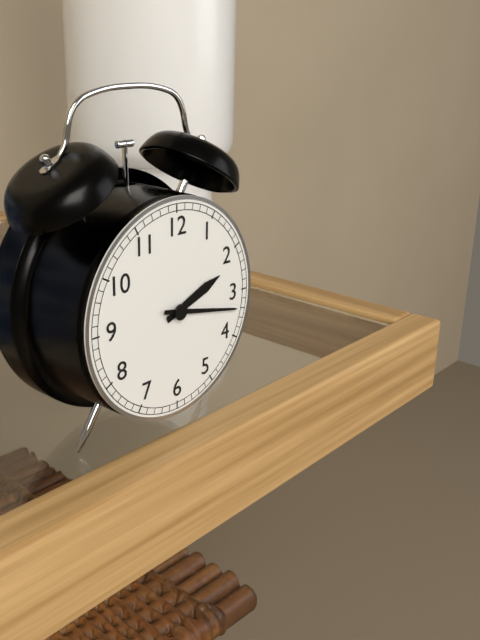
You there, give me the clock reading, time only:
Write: 2:17
